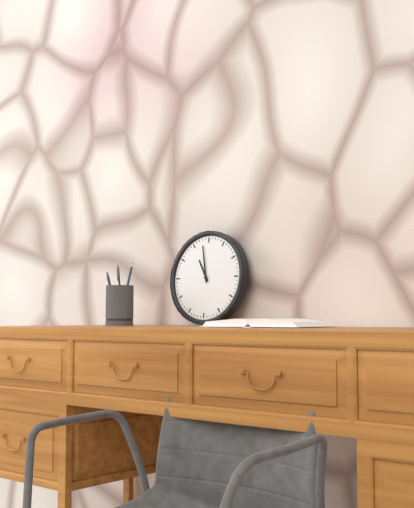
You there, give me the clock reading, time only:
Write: 10:58
